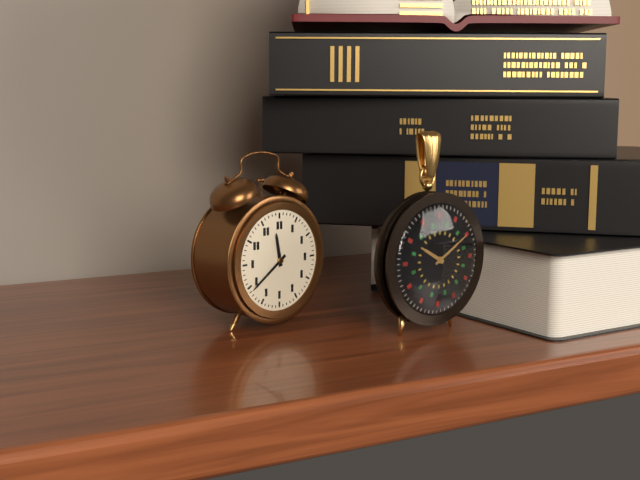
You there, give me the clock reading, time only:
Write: 11:39
